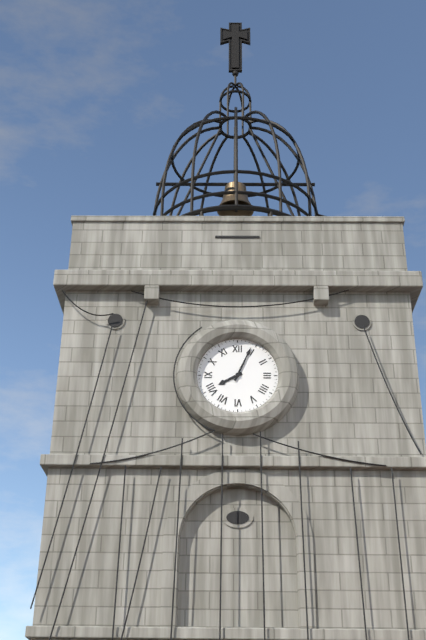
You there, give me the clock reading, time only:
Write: 8:04
